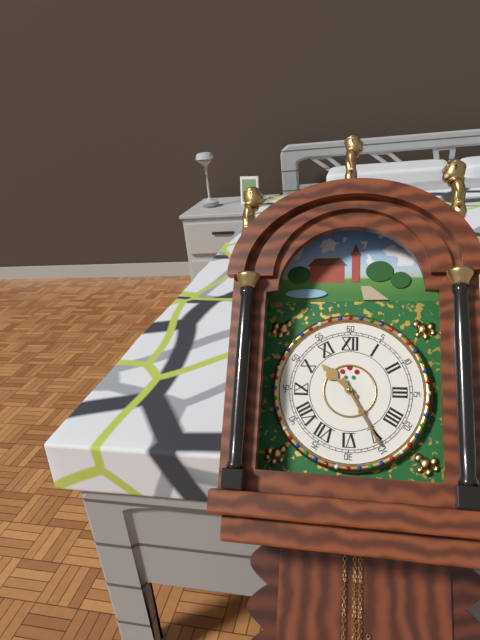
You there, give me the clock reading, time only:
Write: 10:25
